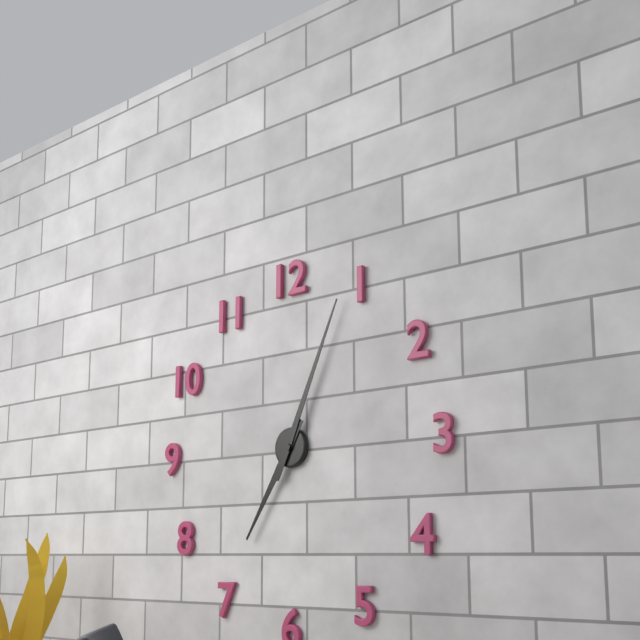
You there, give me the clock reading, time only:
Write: 7:04
